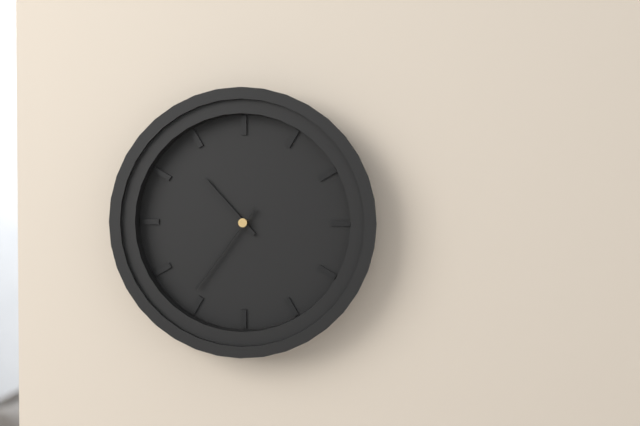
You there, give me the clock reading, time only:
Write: 10:36
